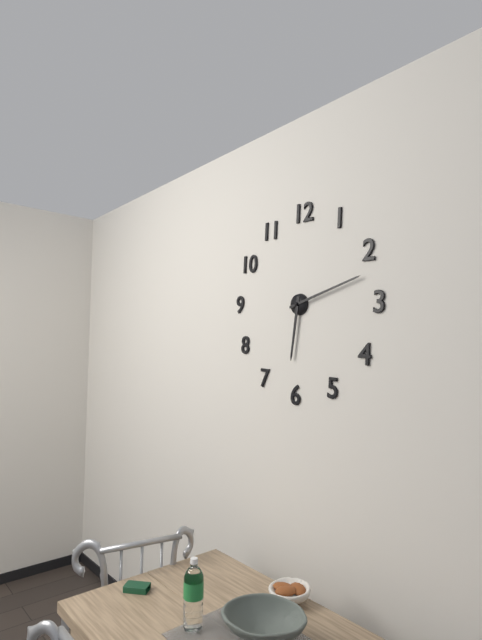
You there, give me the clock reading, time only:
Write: 6:12
